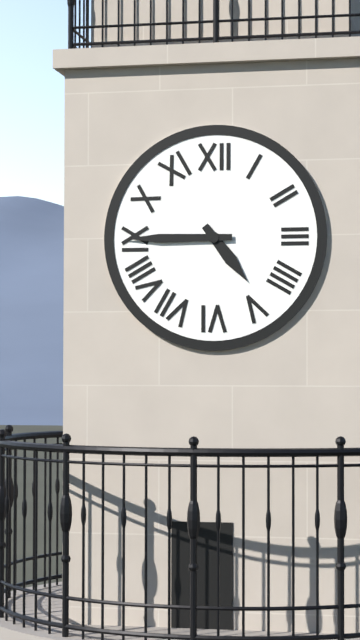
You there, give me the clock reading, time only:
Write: 4:45
